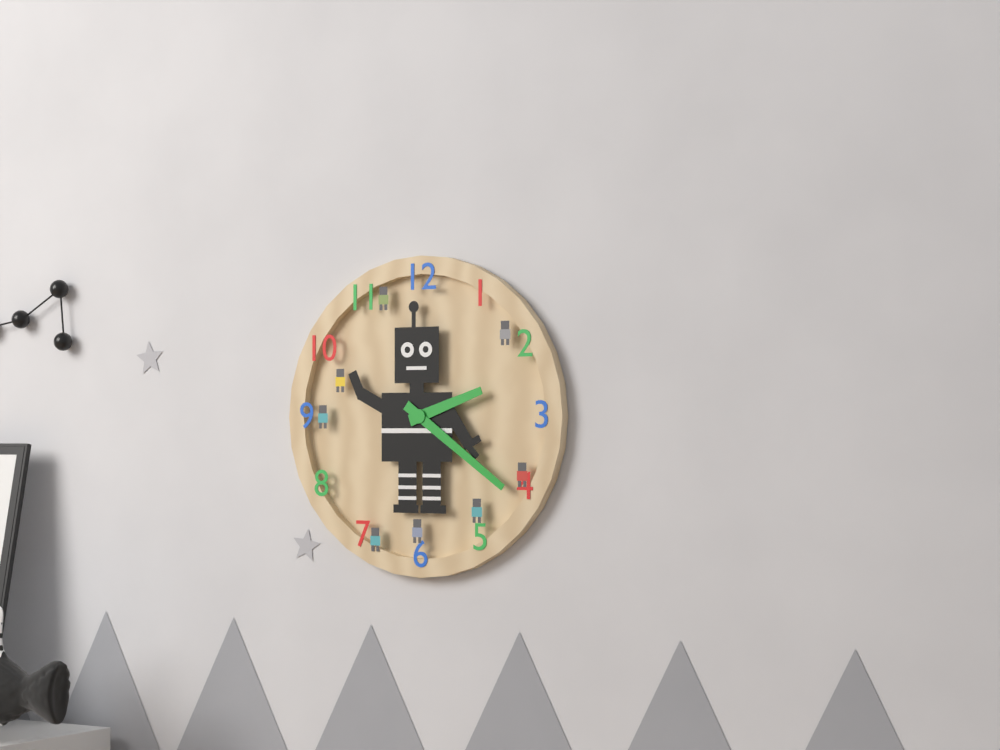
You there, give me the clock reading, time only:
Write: 2:21
